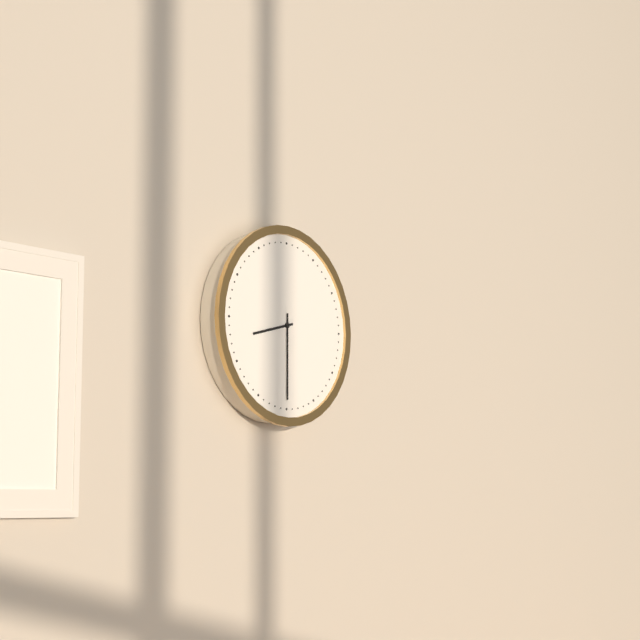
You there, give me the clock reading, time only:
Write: 8:30
